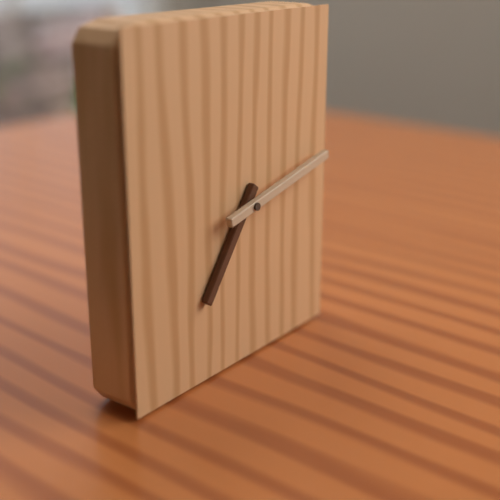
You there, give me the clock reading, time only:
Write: 7:13
